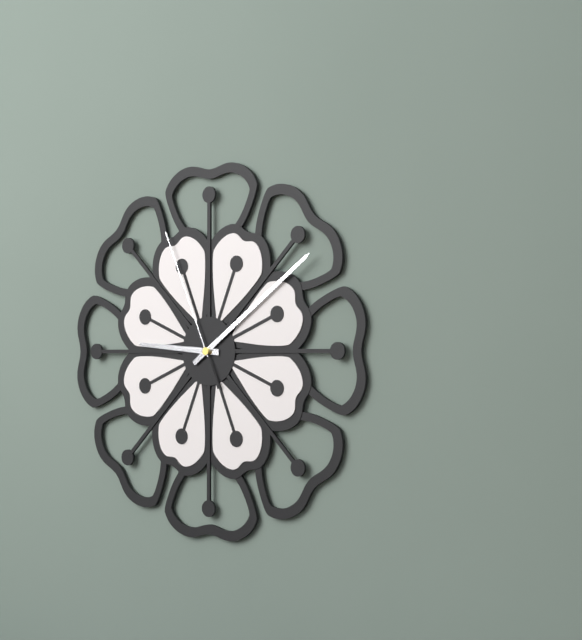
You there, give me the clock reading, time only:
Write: 9:09:56
